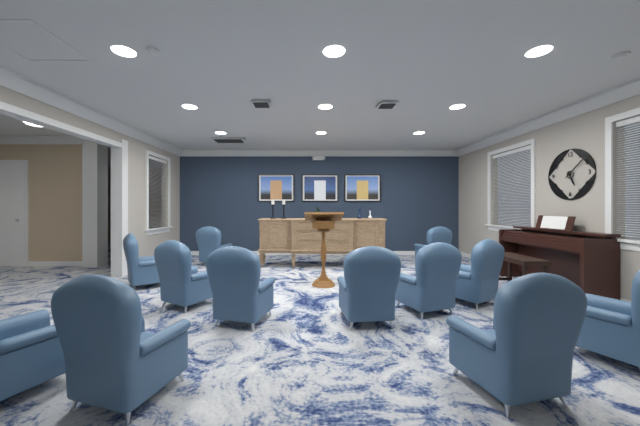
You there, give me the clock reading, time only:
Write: 5:08
